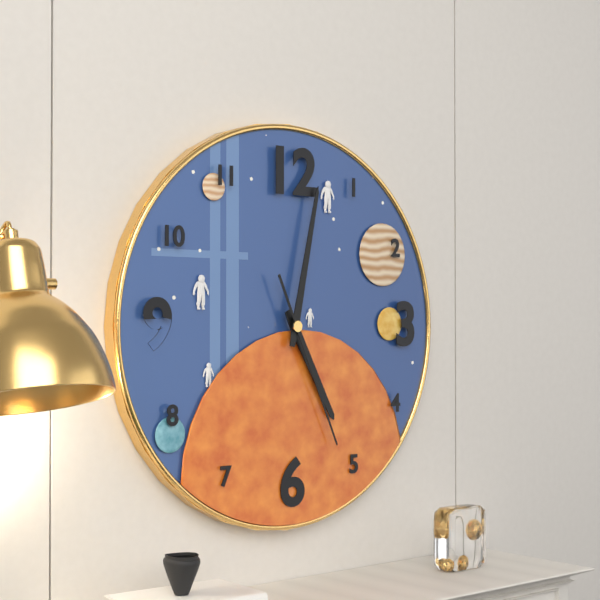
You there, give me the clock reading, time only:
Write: 5:02:26
